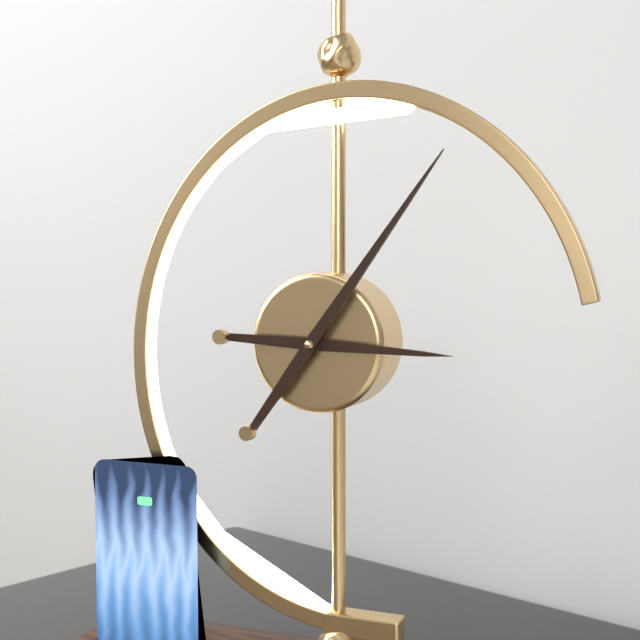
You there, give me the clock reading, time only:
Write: 3:06
